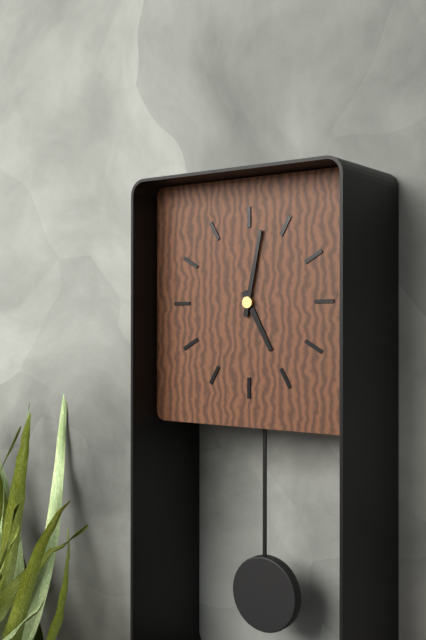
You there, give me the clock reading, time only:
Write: 5:02
